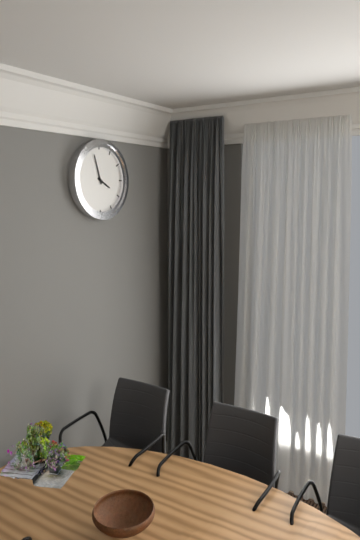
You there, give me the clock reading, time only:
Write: 3:57
